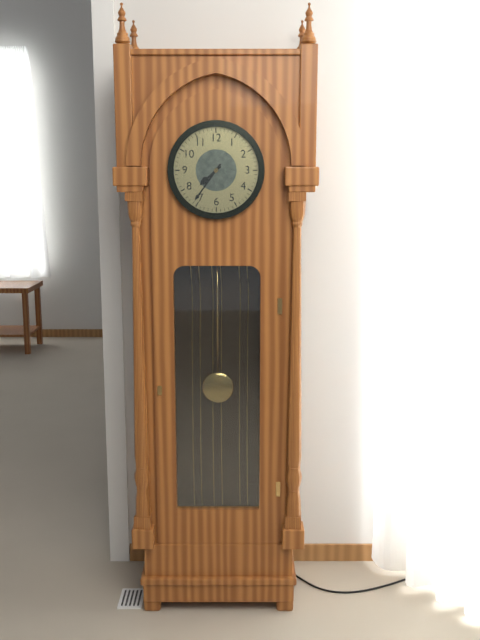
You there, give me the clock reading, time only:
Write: 7:36
